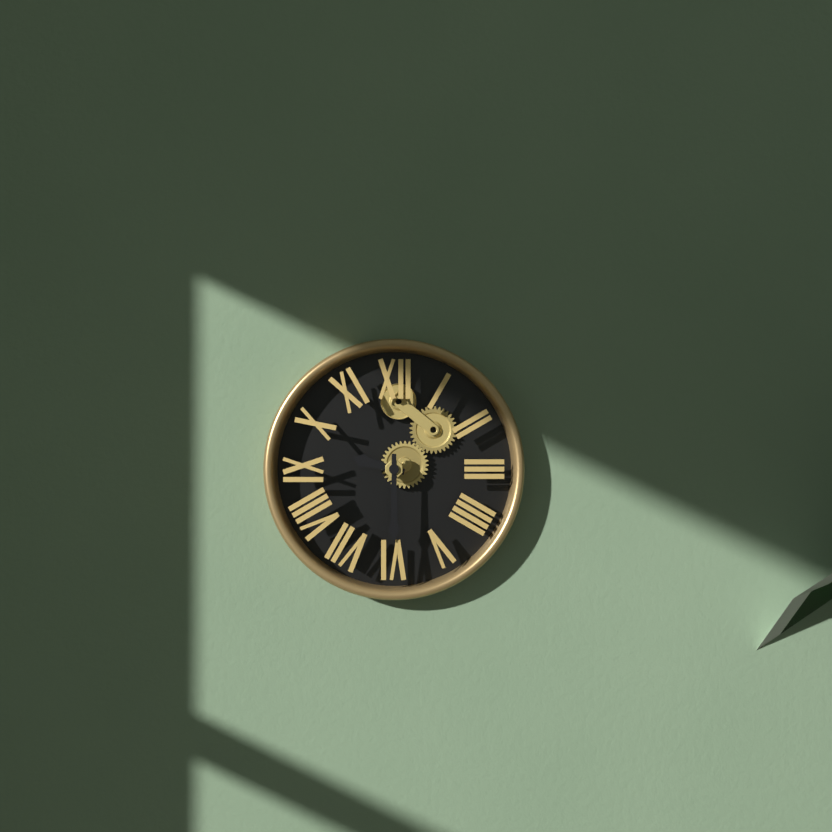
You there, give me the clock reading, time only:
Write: 9:30
